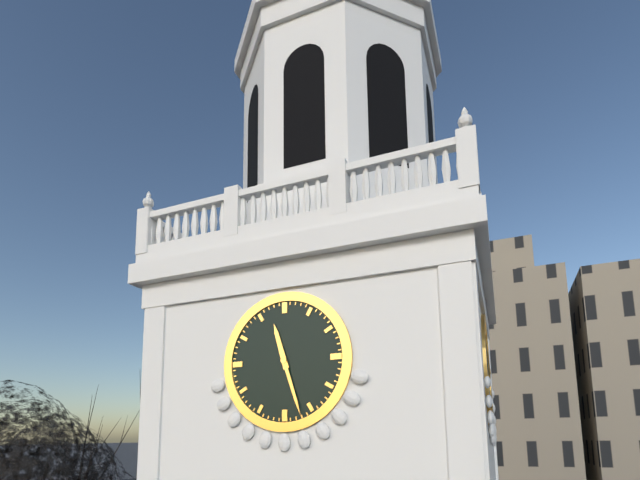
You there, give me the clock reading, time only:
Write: 11:27
